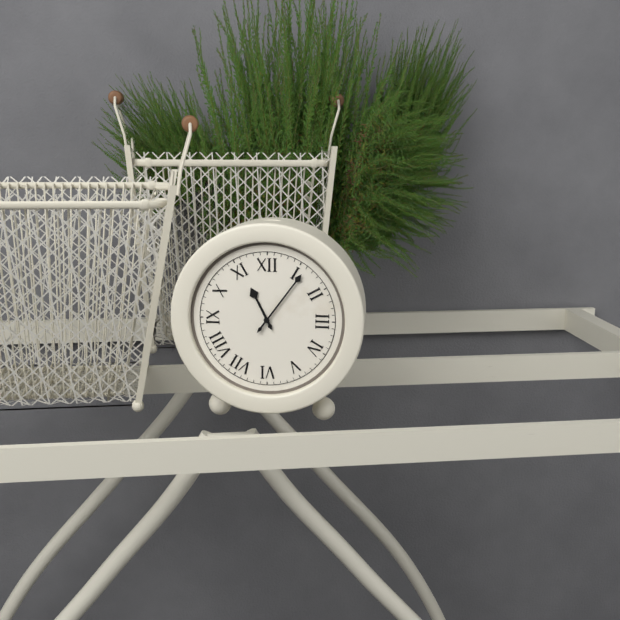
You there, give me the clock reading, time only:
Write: 11:06
